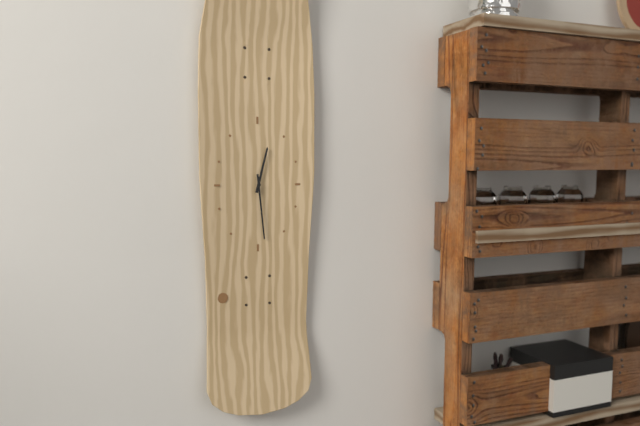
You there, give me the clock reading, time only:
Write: 12:29
